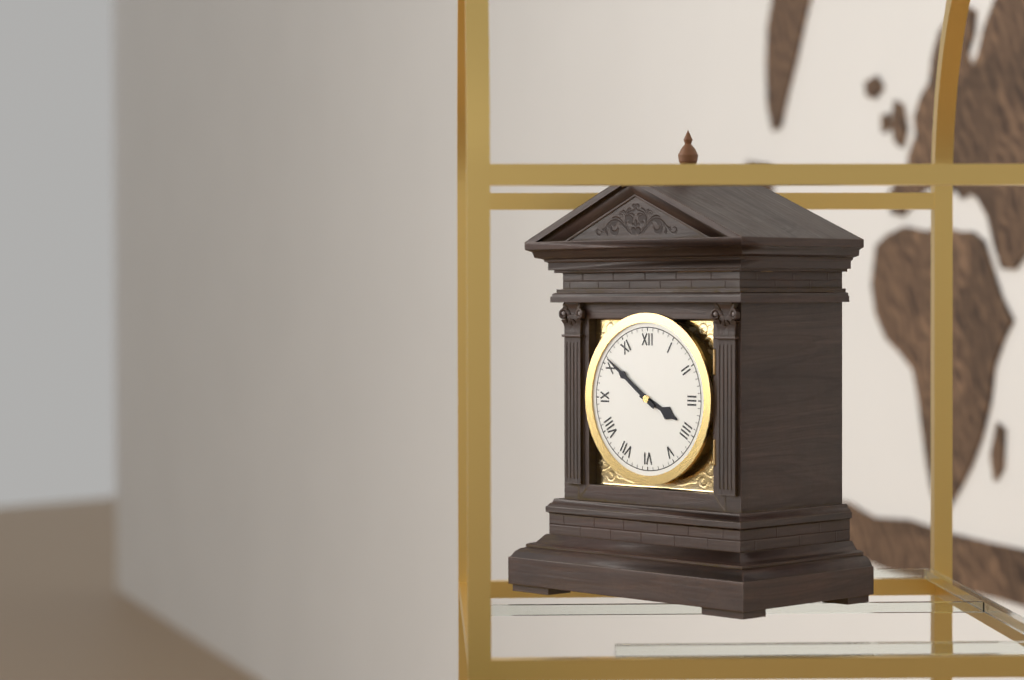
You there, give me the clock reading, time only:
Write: 3:51
